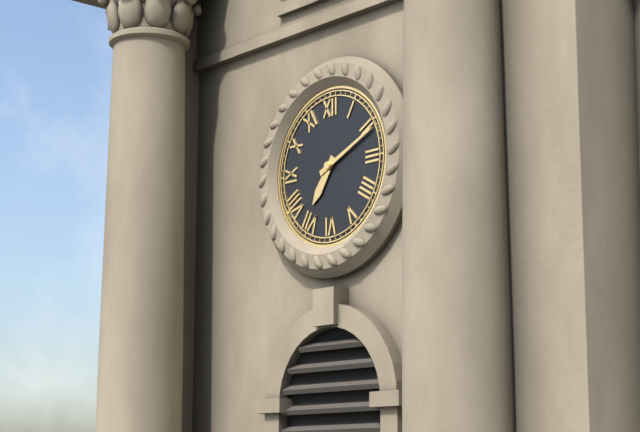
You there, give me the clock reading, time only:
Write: 7:11
